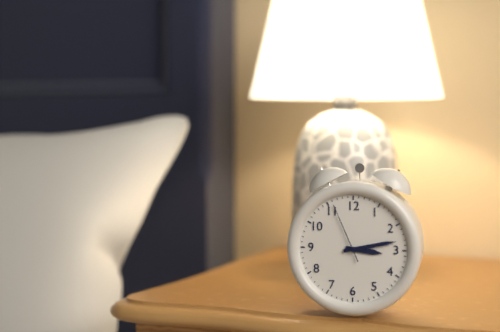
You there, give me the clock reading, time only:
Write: 3:13:56
